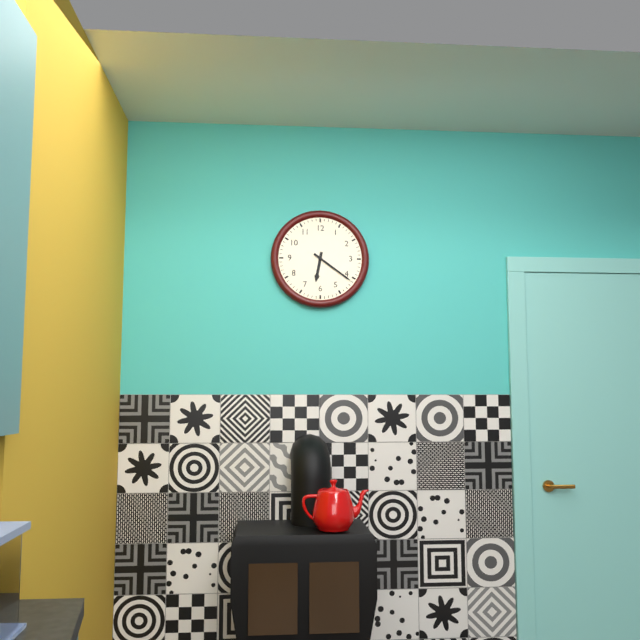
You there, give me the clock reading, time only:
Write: 6:21
